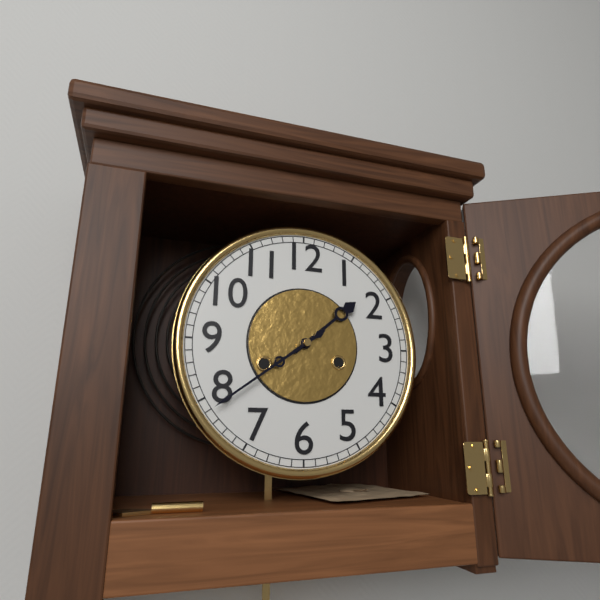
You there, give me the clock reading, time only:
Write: 1:39
